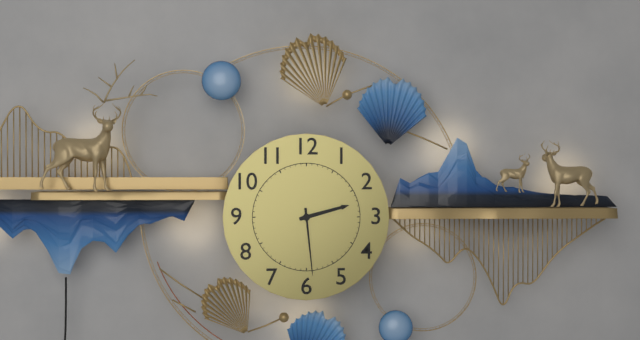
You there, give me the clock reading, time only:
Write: 2:29
